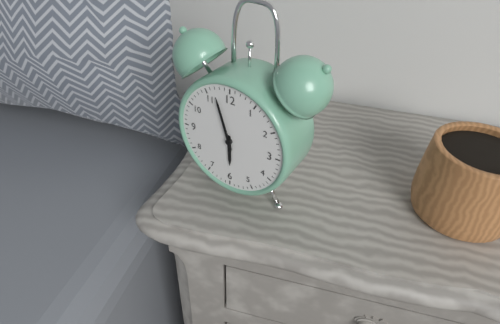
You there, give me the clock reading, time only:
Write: 5:57
